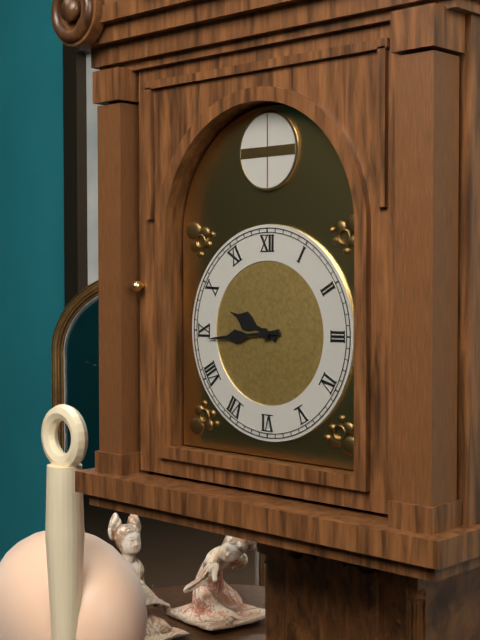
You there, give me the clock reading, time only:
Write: 9:44
